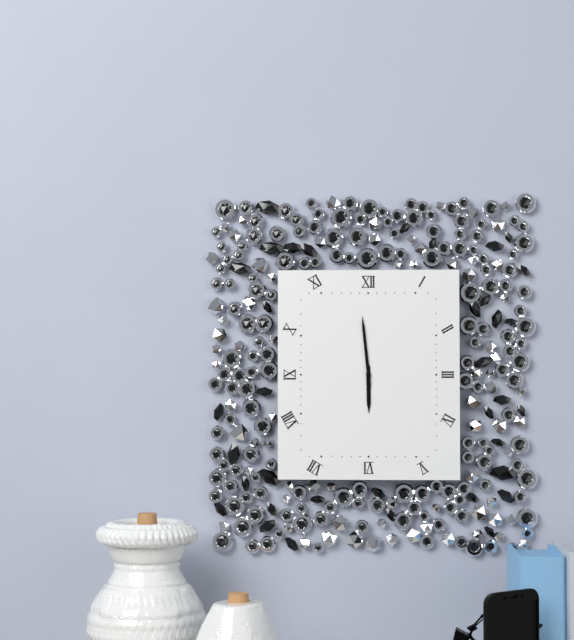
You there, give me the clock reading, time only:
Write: 5:59
